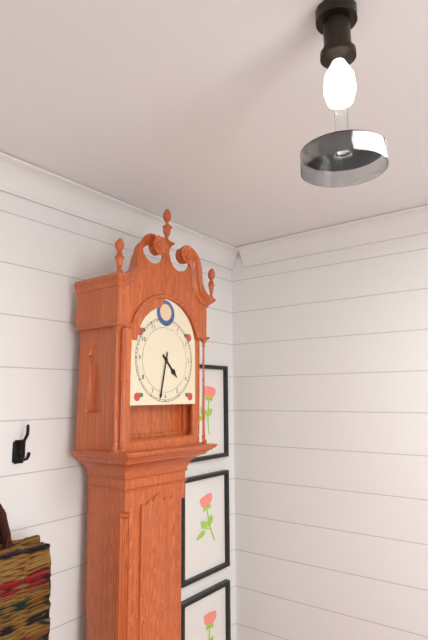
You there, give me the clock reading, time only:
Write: 4:32
